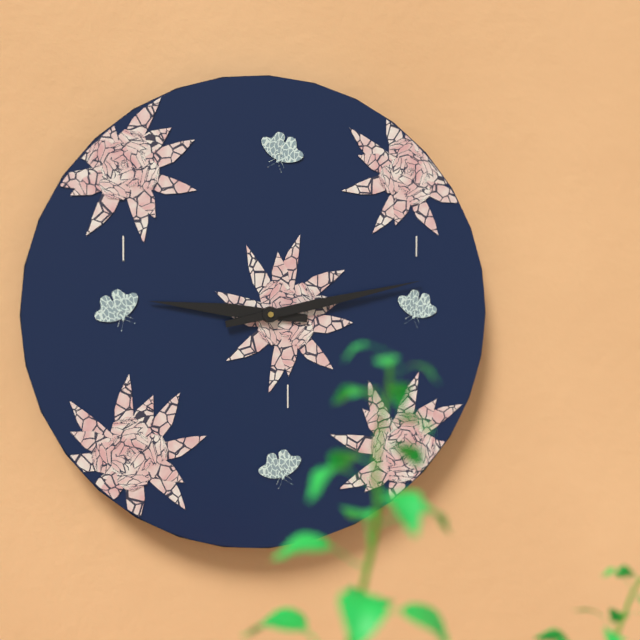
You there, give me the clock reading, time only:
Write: 9:13
